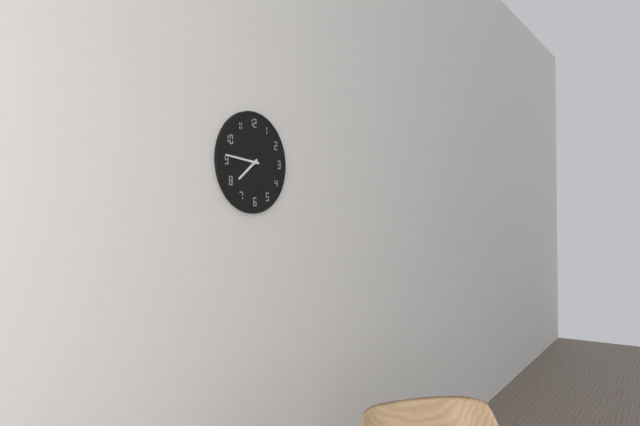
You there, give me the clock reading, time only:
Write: 7:46
